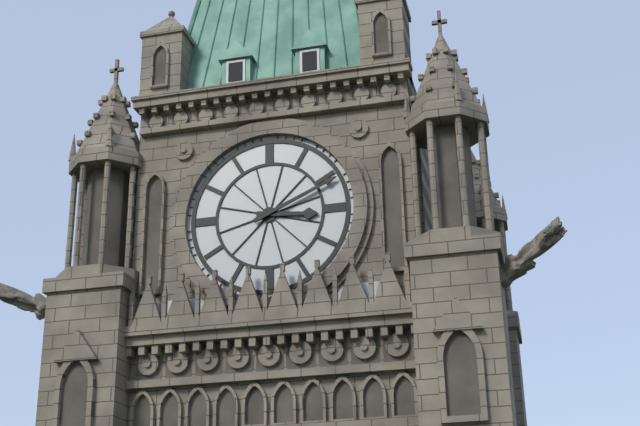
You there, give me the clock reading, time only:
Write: 3:11
